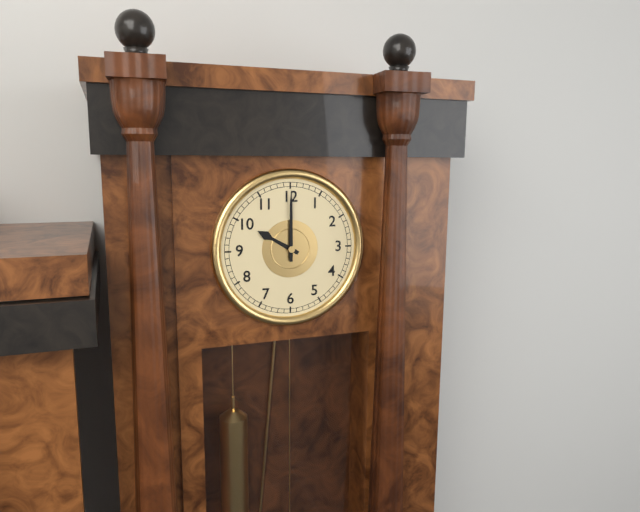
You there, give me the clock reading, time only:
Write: 10:00
